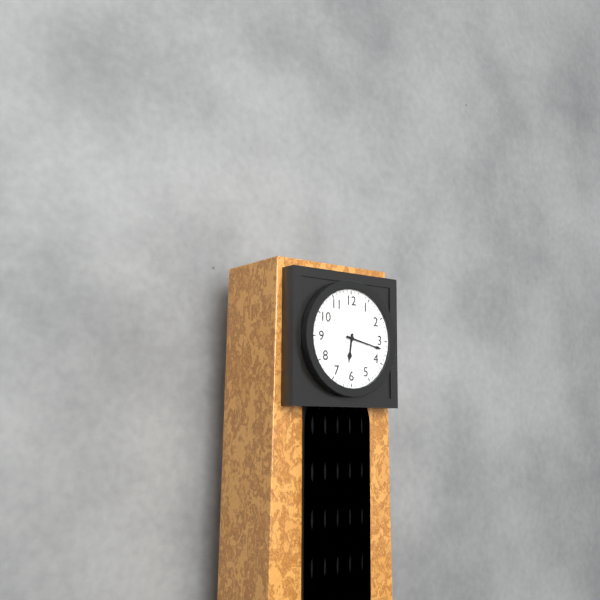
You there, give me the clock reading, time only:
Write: 6:17
